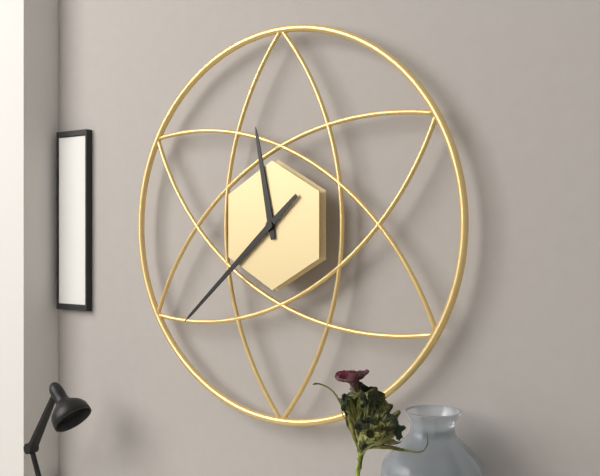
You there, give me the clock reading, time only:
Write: 11:38
